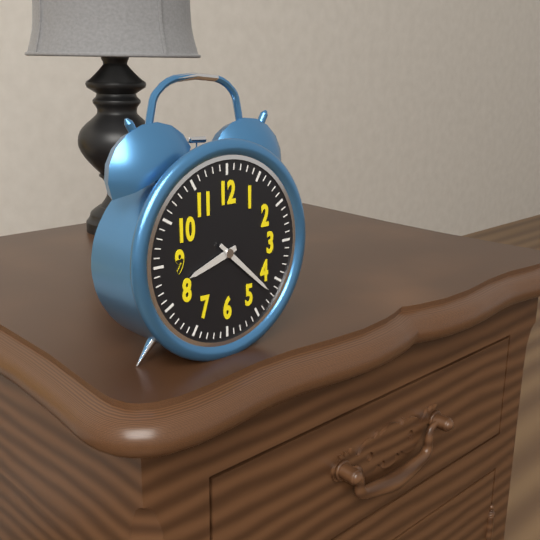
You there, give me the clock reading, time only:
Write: 8:22
